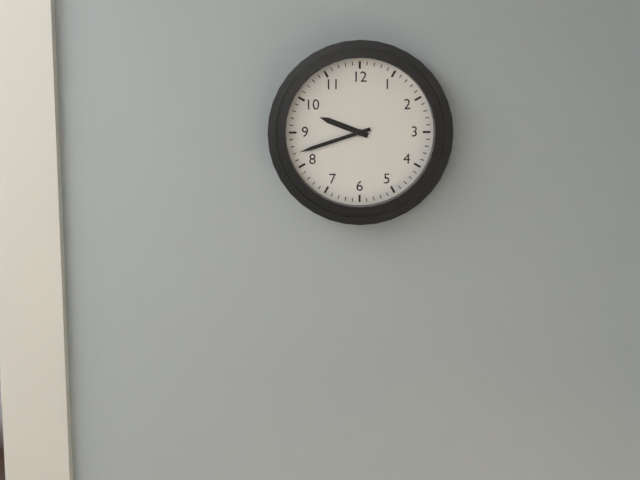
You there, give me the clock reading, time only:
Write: 9:42
